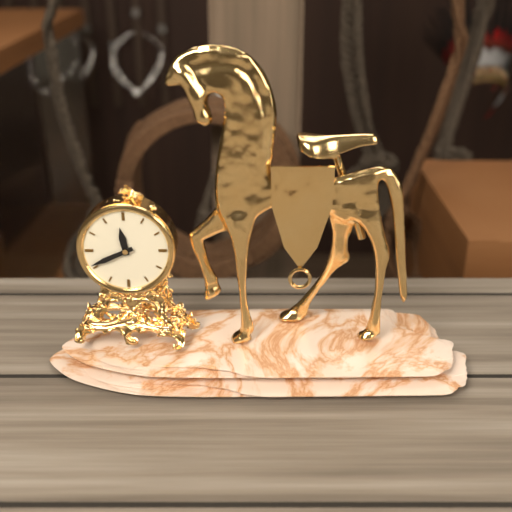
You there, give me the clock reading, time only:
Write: 11:41
